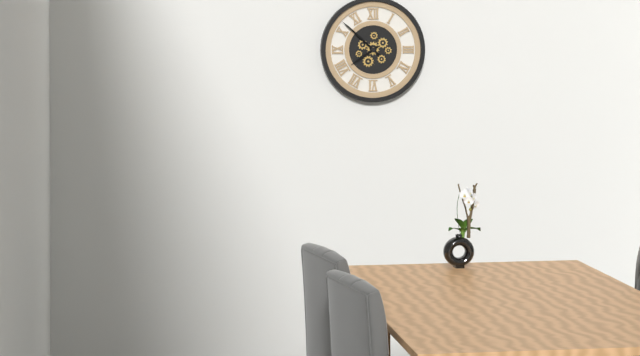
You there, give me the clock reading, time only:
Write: 7:52
